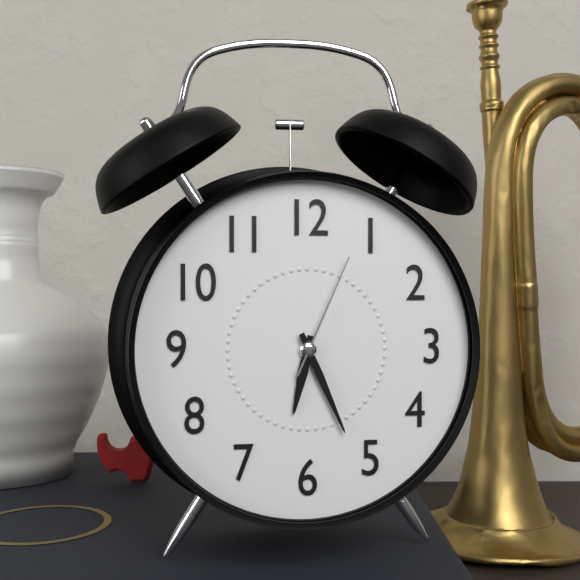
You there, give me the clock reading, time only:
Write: 6:26:04
